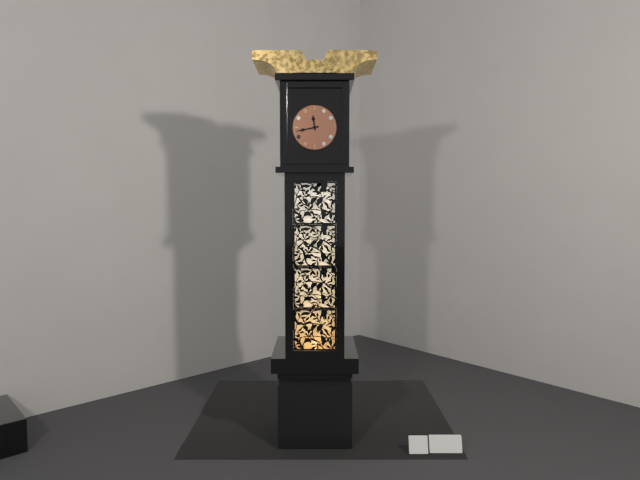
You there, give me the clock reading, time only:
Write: 11:43
